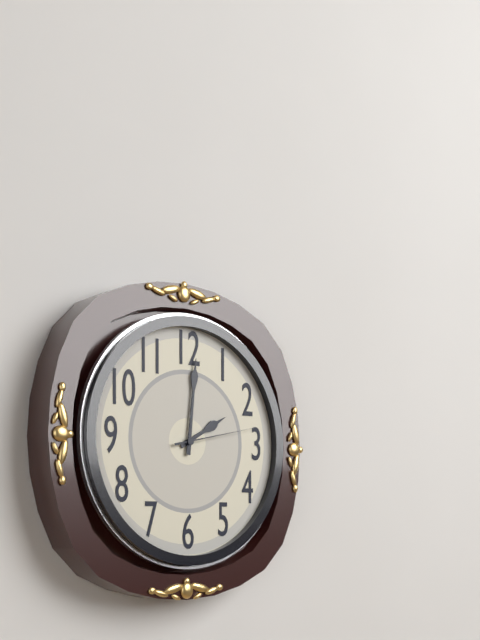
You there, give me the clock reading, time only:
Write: 2:01:13
